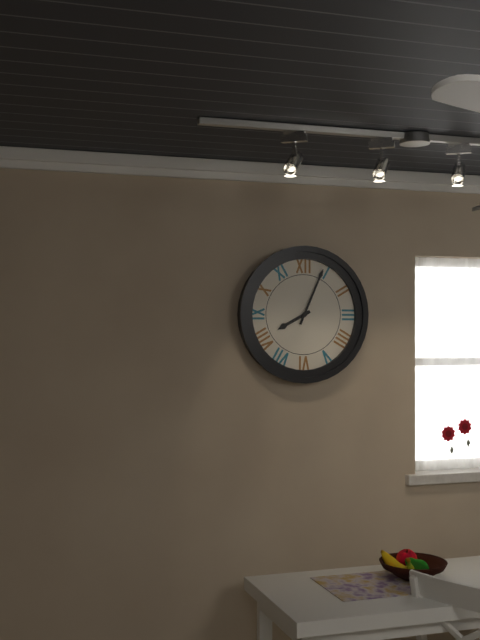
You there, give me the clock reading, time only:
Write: 8:04
